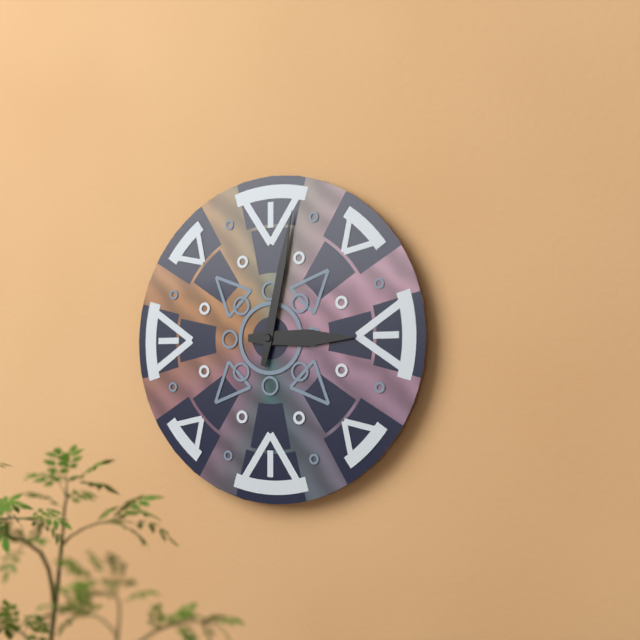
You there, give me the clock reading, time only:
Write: 3:02
